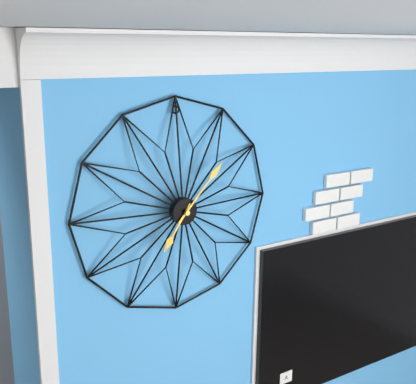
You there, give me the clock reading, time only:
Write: 7:07
